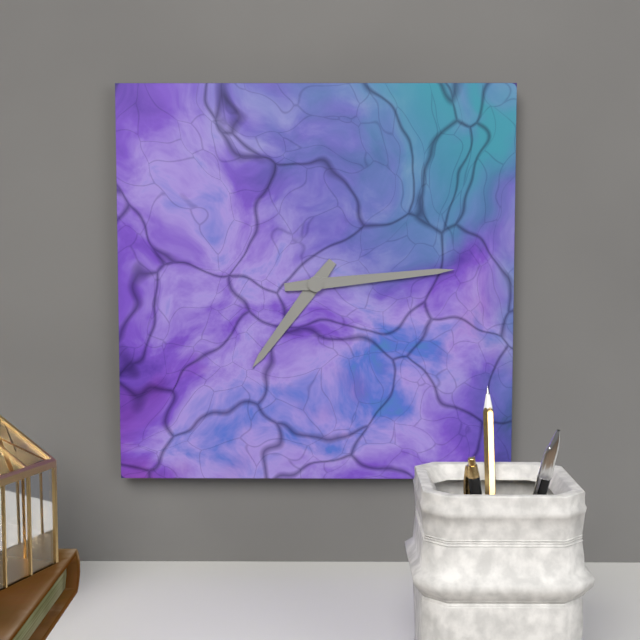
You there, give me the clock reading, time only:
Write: 7:14
